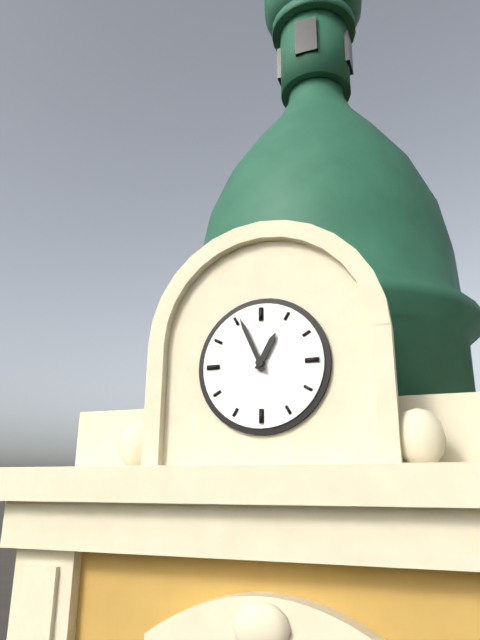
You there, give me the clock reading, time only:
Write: 12:56
